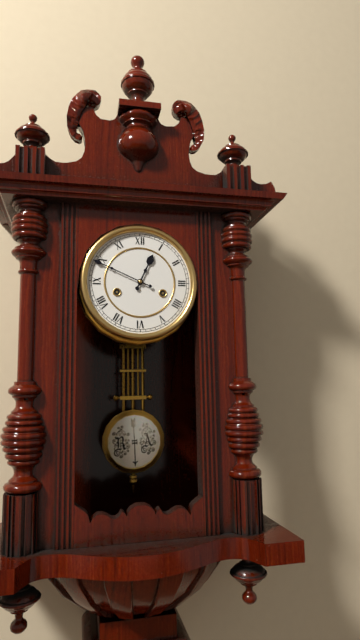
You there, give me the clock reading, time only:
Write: 12:49
